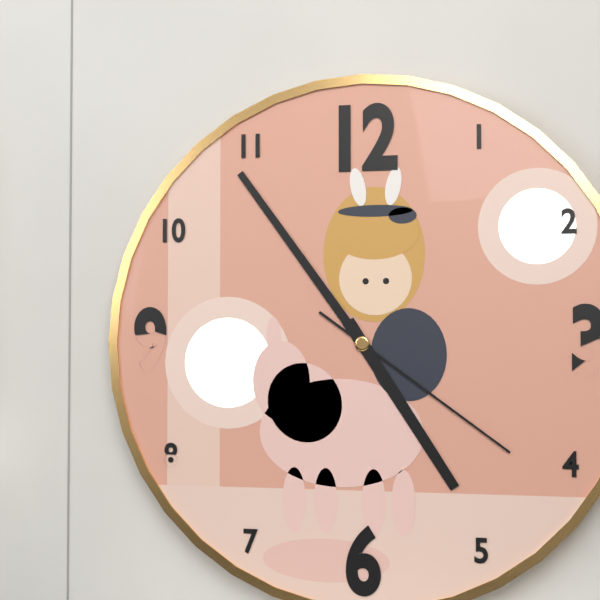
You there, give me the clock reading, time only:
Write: 4:54:21
